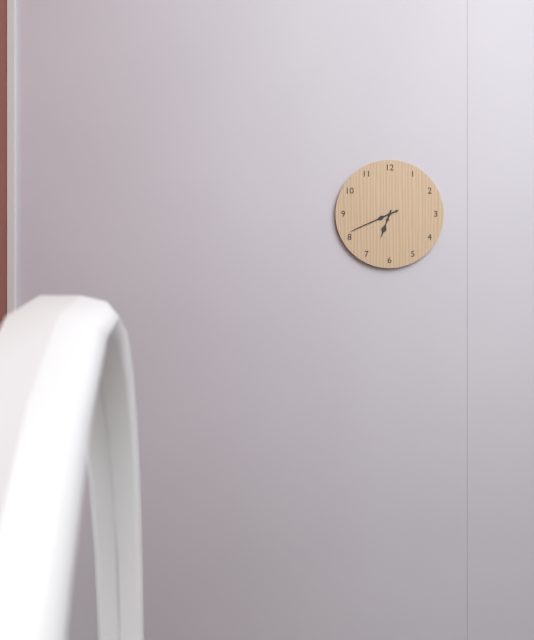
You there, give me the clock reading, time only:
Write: 6:41:41
